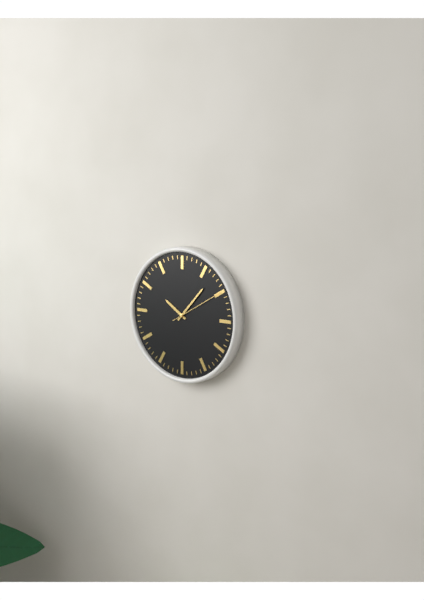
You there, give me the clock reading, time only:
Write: 10:07:10
